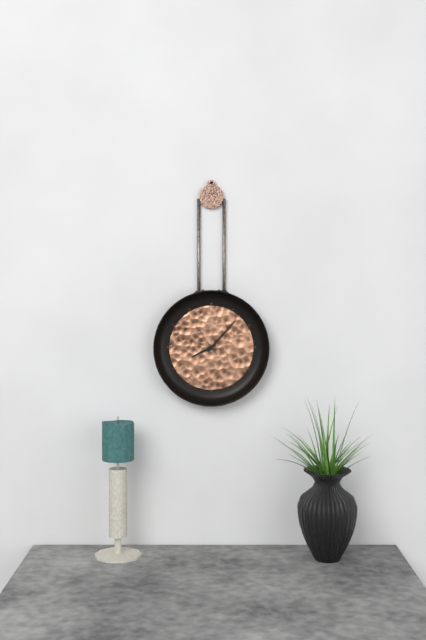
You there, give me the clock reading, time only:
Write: 8:07
